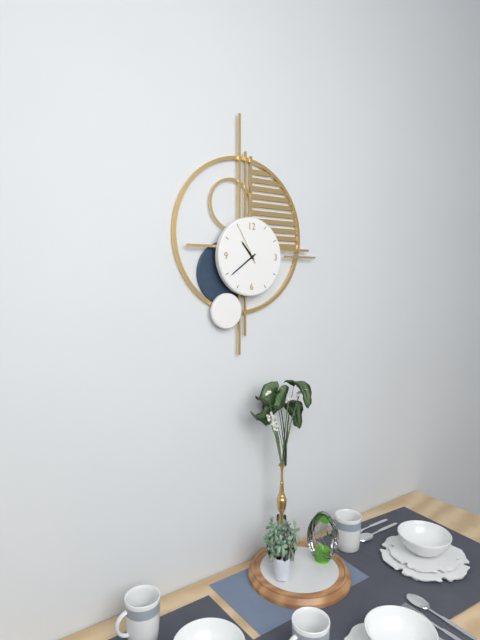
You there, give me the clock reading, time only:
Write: 10:39
